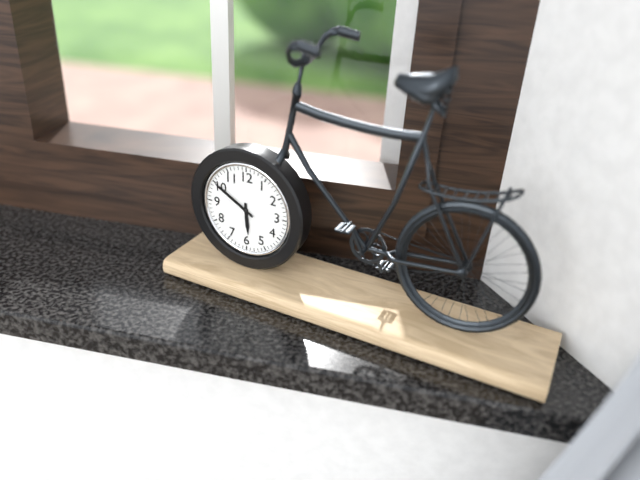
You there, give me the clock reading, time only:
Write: 5:50
